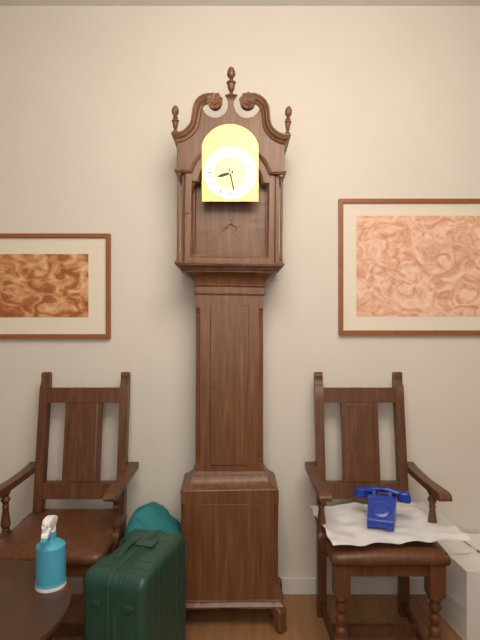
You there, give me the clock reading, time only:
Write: 8:28
